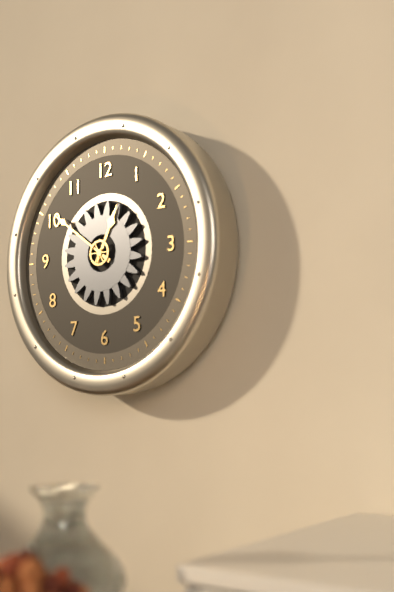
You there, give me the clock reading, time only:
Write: 12:51
